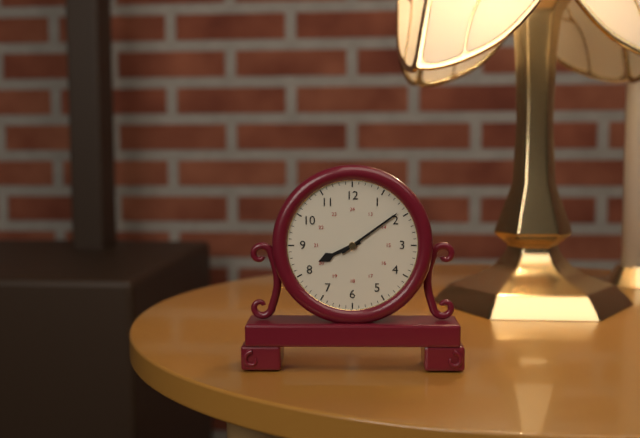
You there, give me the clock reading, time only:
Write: 8:09
